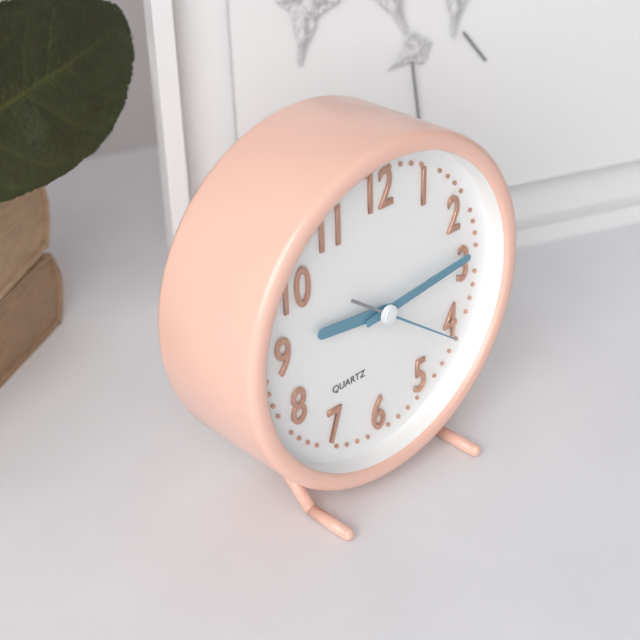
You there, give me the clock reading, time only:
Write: 9:14:21
